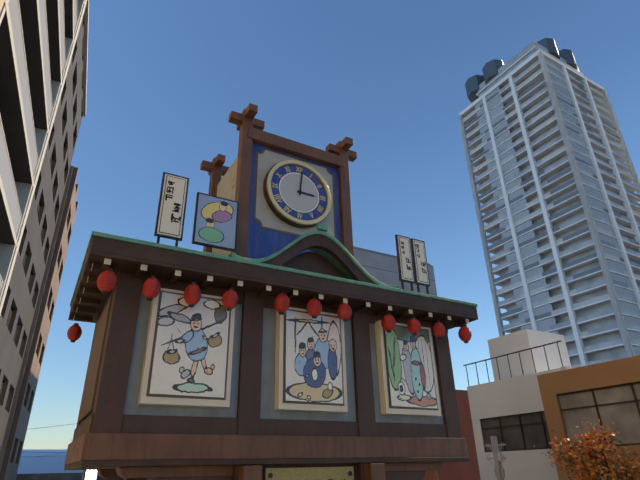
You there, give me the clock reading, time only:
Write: 3:01
